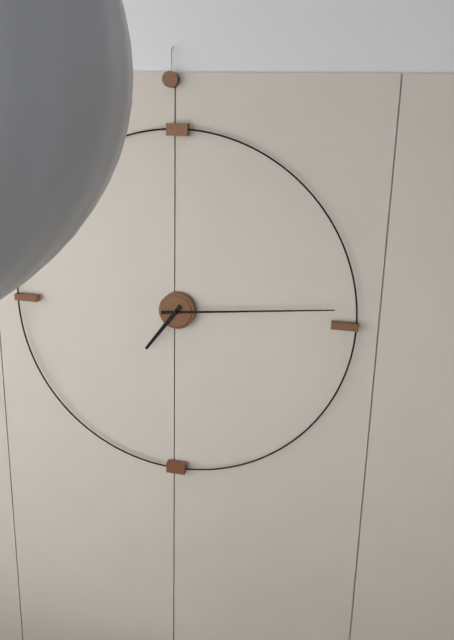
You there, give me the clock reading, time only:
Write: 7:14
